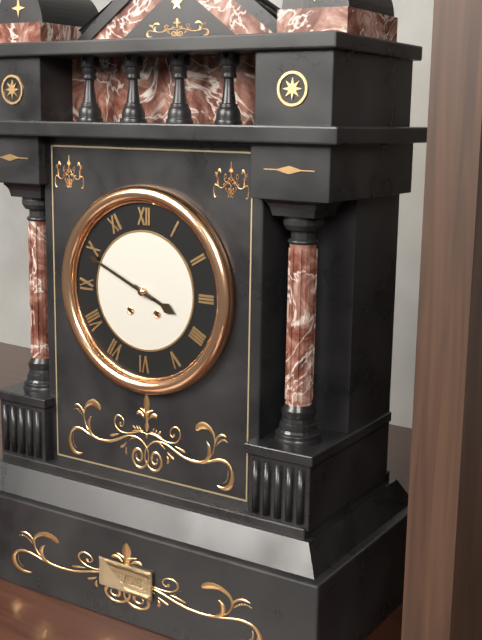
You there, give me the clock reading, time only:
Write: 3:49
